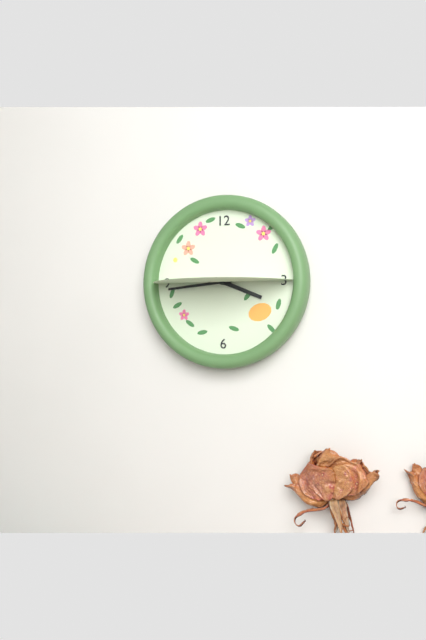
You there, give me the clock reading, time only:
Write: 3:44
